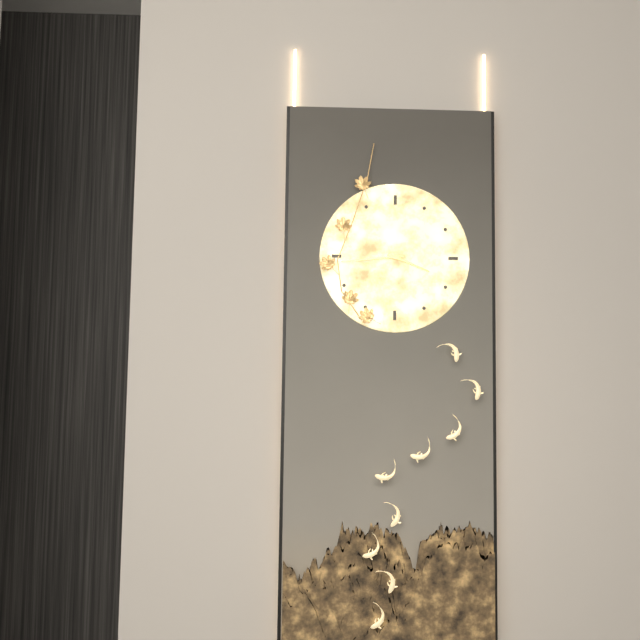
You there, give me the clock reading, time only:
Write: 3:44
